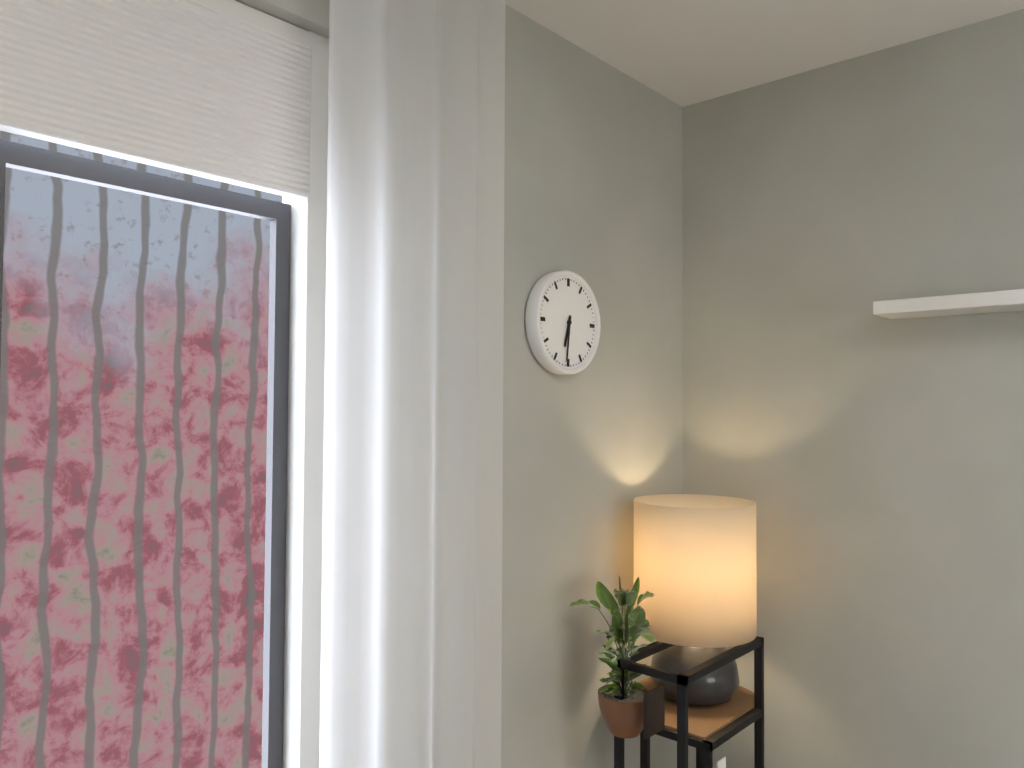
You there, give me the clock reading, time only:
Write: 6:31
